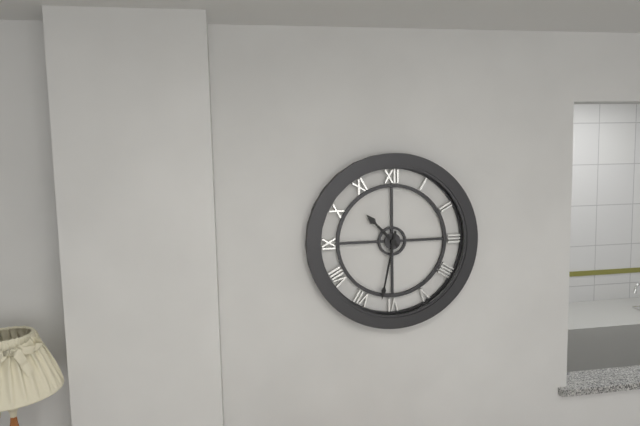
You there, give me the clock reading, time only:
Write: 10:32
